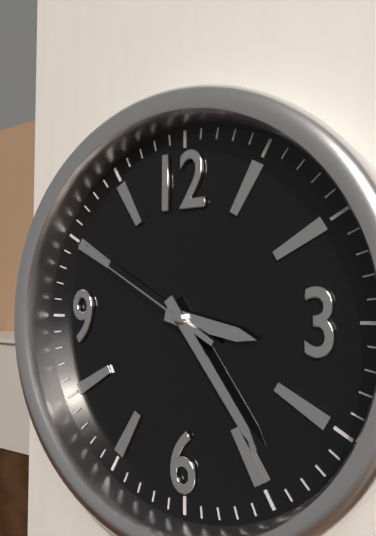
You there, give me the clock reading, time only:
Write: 3:24:50
